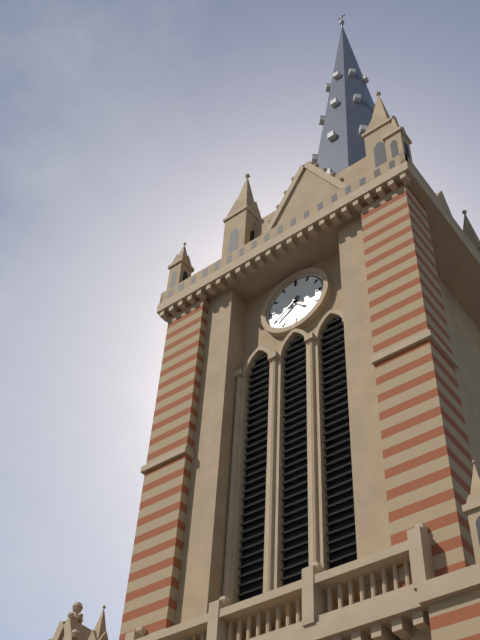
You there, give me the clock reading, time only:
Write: 4:39
